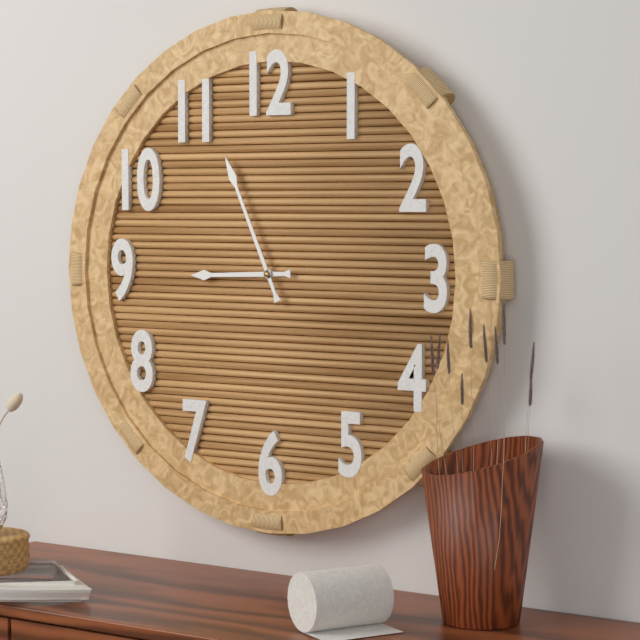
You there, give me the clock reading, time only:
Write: 8:56
